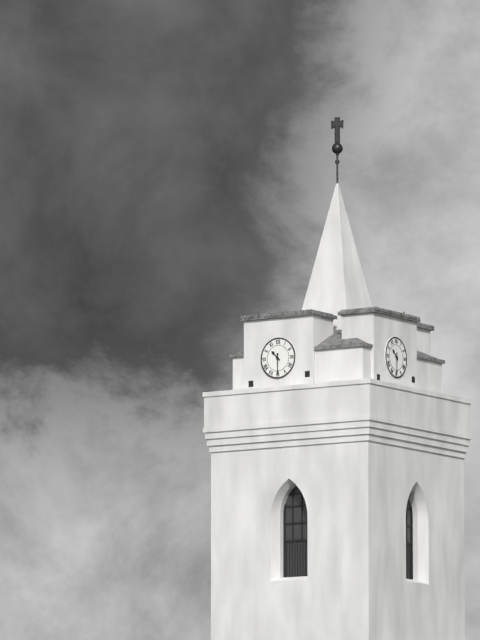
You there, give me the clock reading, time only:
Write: 10:30
